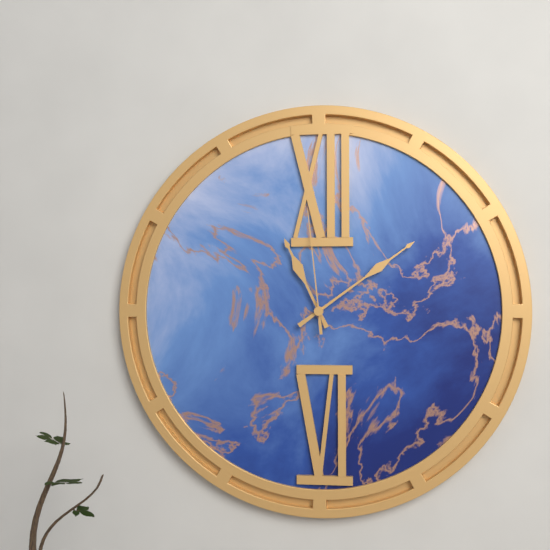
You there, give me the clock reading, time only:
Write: 11:09:59
